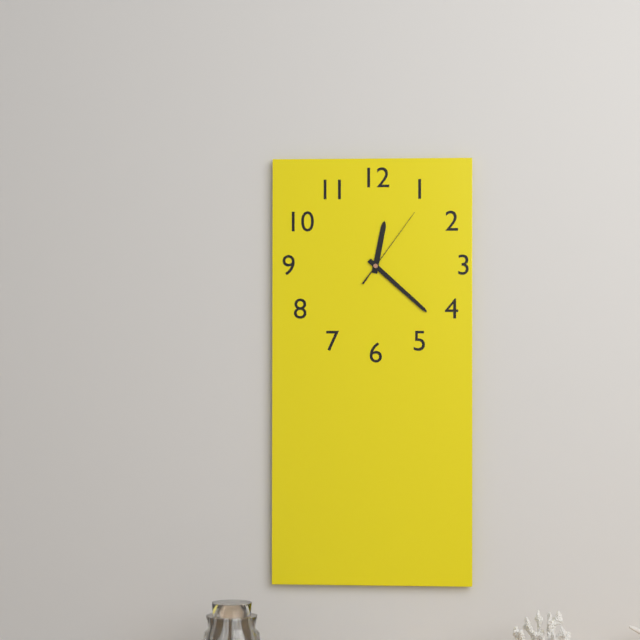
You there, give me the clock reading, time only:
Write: 12:22:06
